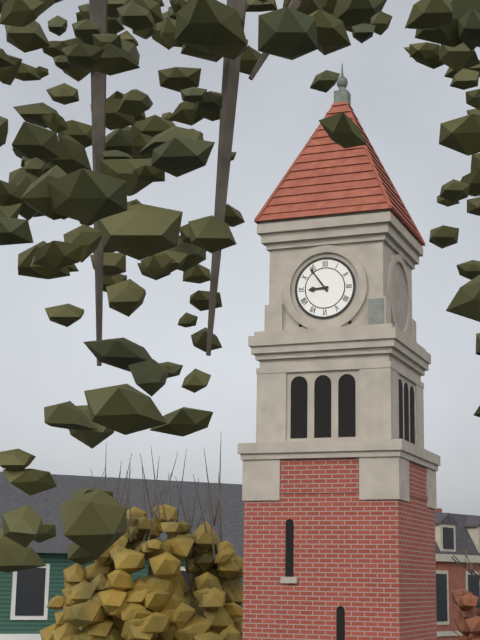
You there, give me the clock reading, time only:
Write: 8:54
